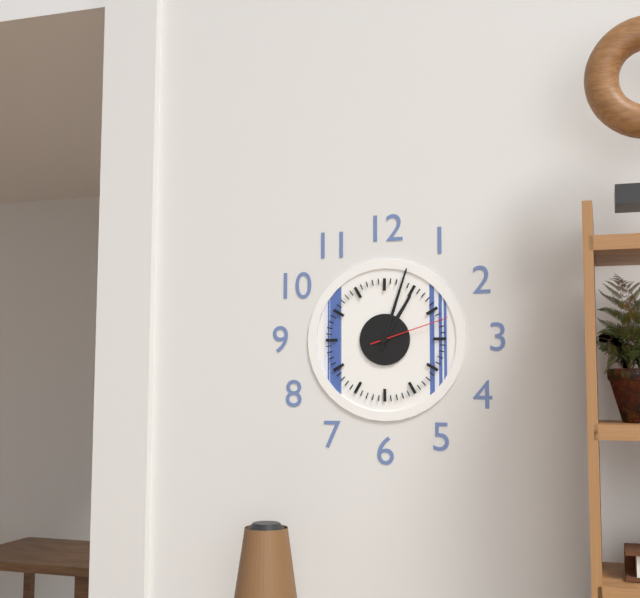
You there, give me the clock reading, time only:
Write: 1:03:12
